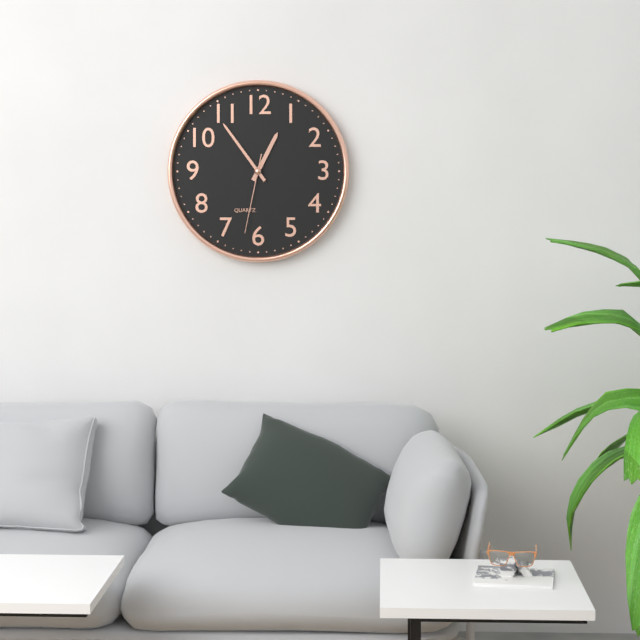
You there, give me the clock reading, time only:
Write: 12:54:32
